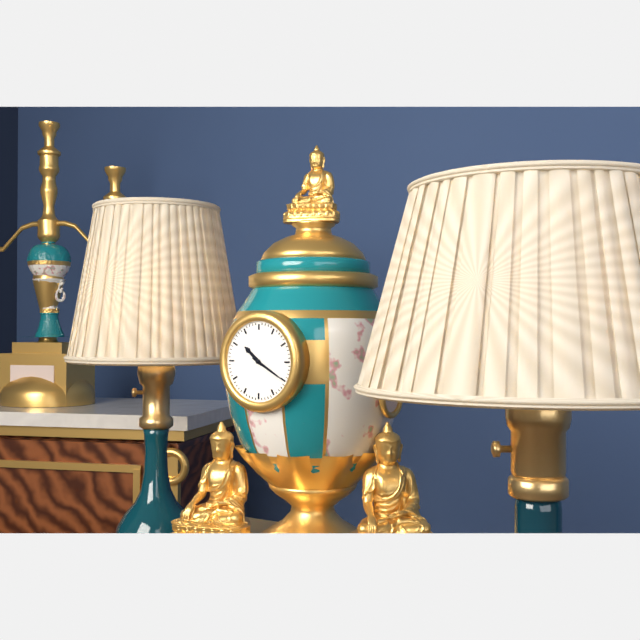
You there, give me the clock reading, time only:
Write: 10:20
